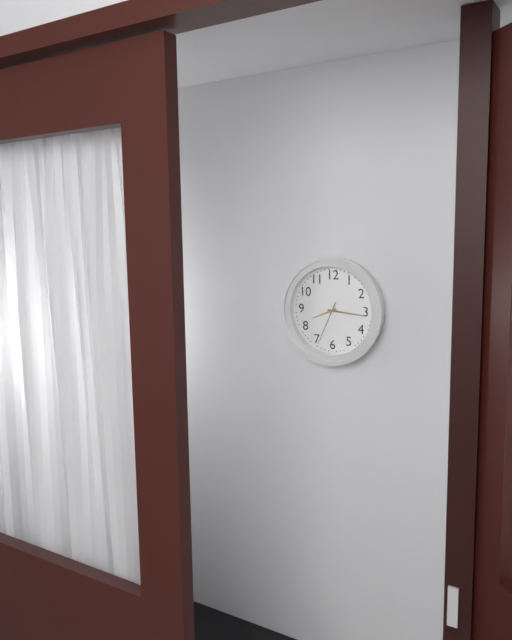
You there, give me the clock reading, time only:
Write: 8:16
